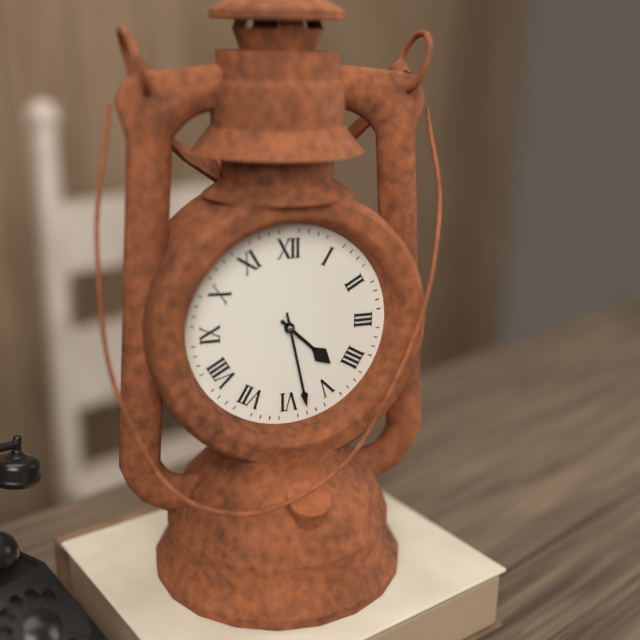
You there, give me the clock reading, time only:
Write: 4:28
